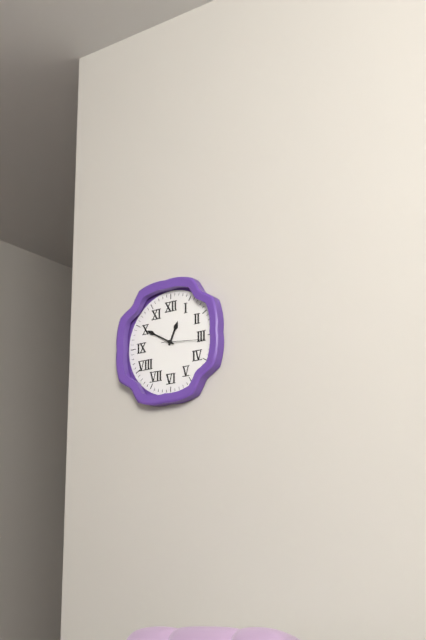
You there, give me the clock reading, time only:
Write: 12:50
